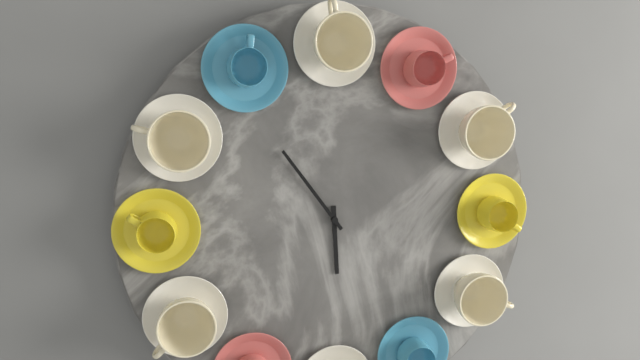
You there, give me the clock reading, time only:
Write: 5:54
